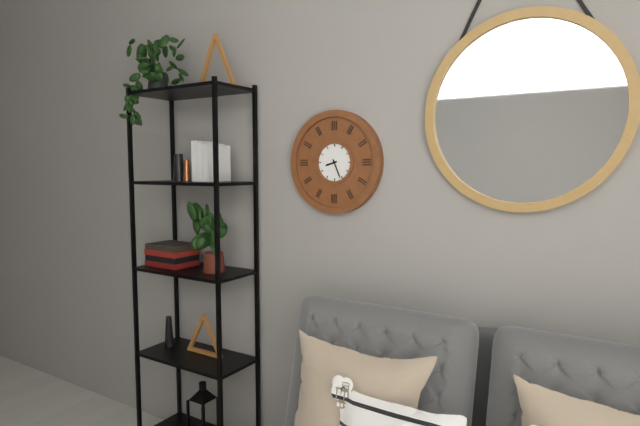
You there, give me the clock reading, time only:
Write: 8:26
